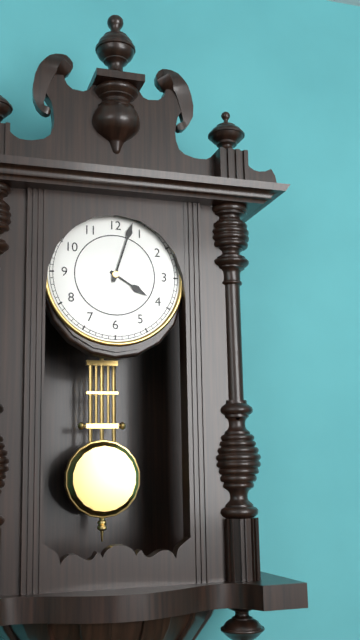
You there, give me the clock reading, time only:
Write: 4:03
